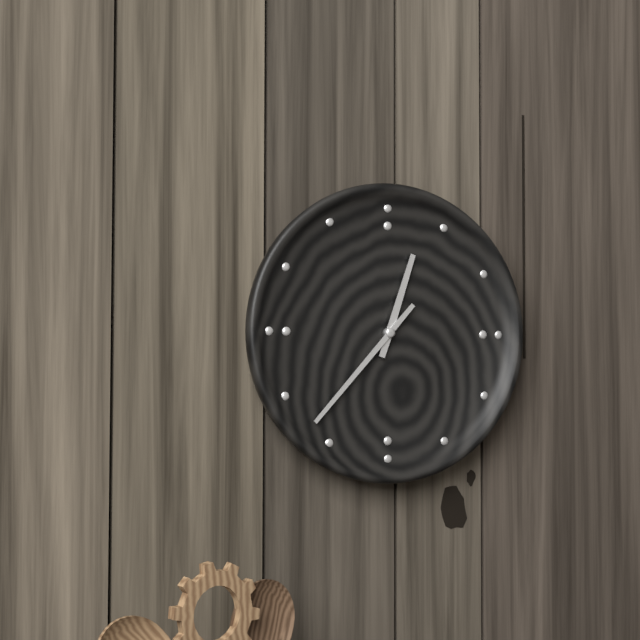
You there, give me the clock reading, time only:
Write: 12:37
